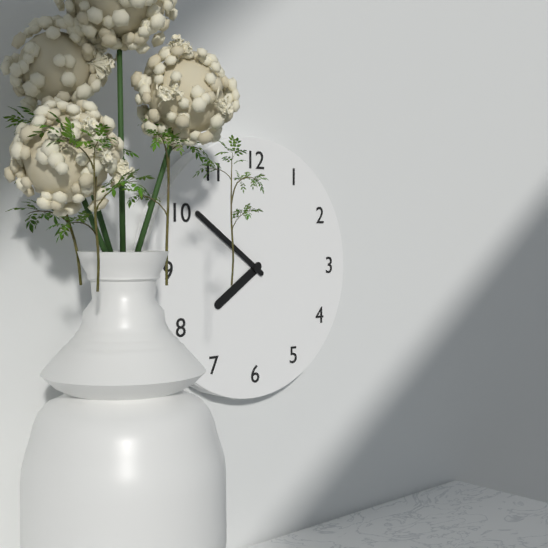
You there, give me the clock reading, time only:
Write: 7:51
